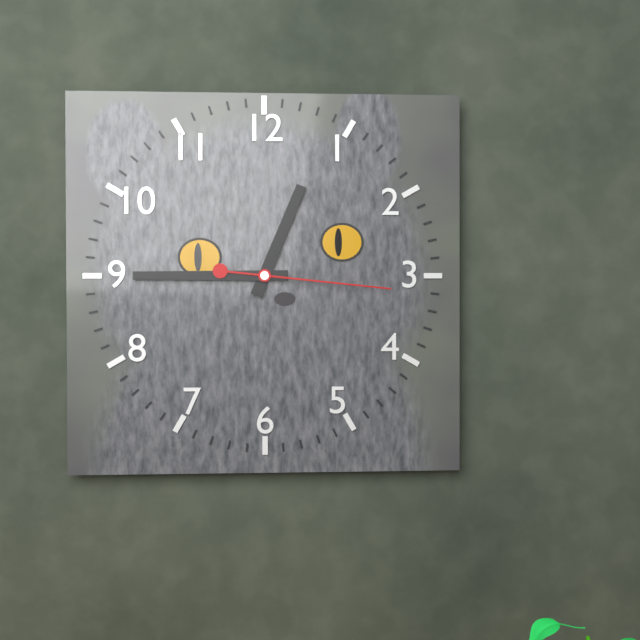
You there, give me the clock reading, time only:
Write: 12:45:16
